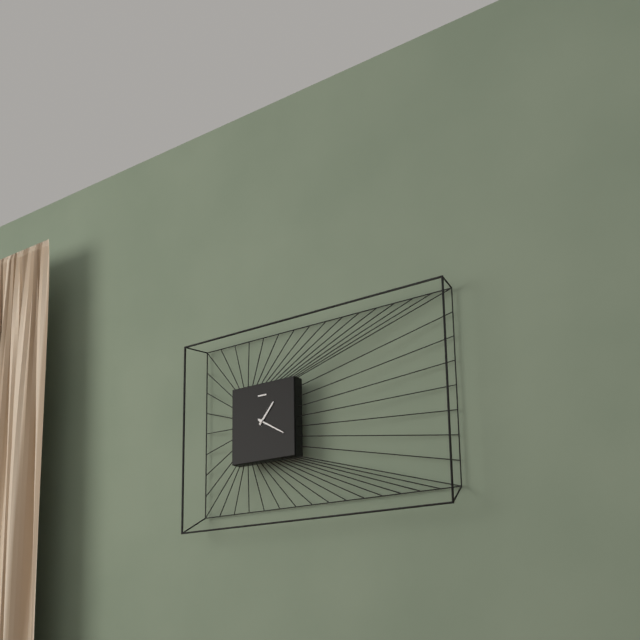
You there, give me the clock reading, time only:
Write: 1:20
